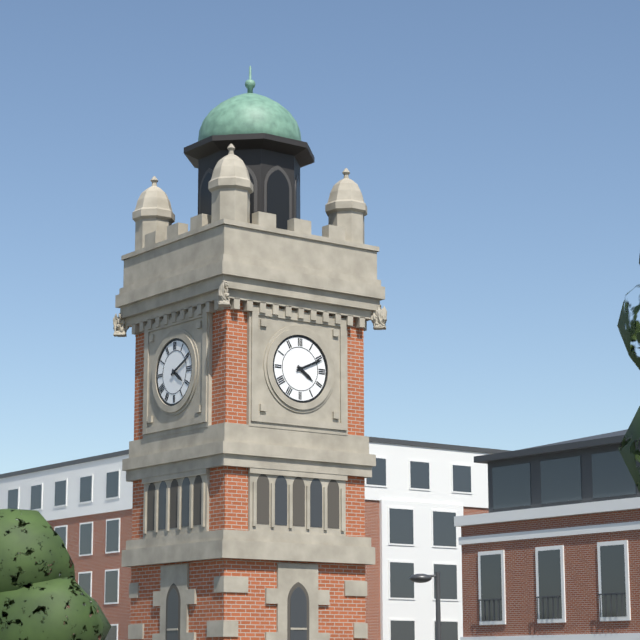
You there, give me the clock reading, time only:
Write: 4:11
